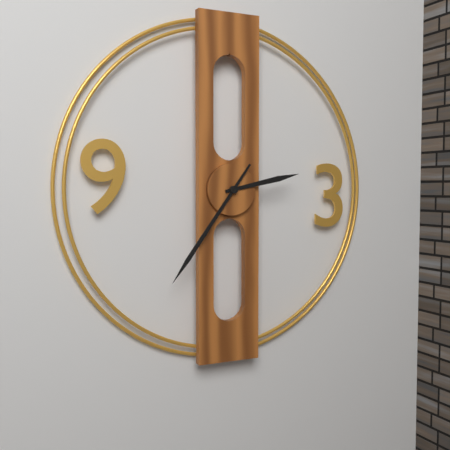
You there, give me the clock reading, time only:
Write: 2:36
